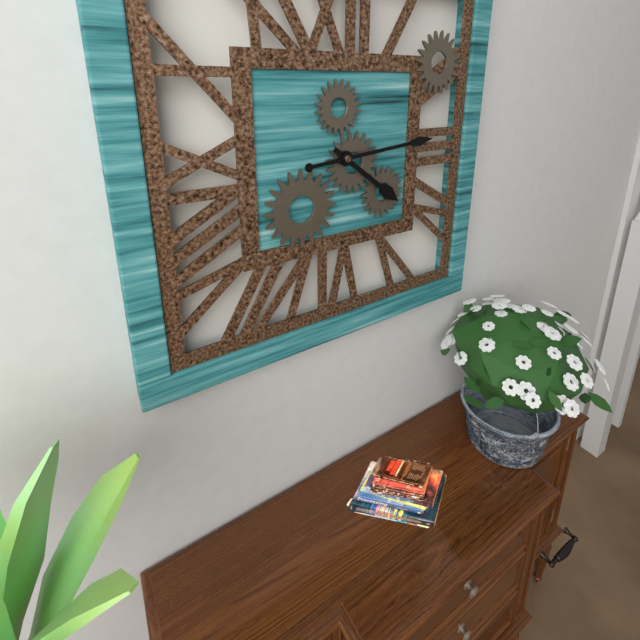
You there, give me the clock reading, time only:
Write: 4:14
